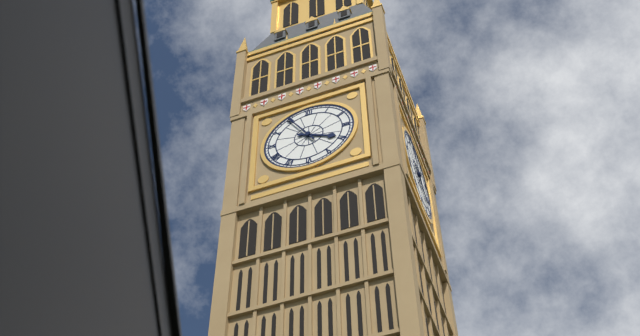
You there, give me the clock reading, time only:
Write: 3:55
